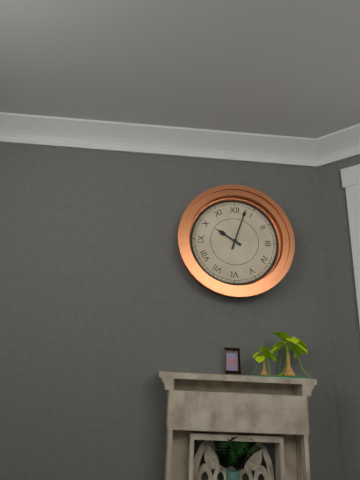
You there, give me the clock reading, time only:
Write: 10:03
